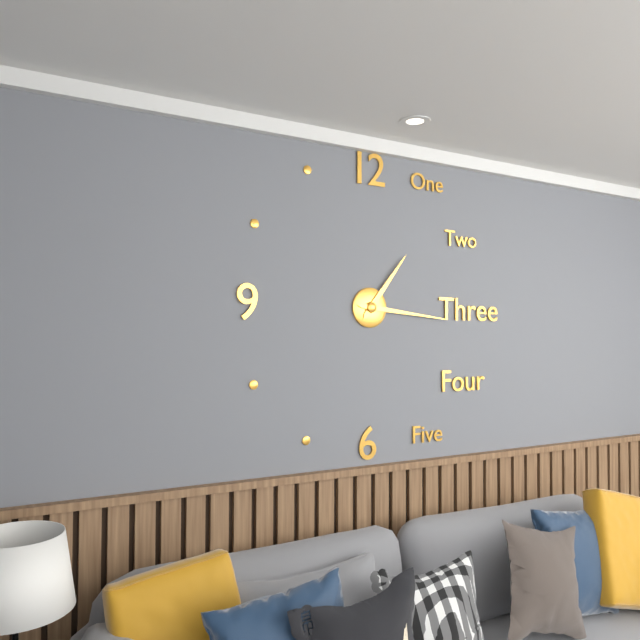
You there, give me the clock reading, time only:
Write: 1:16
